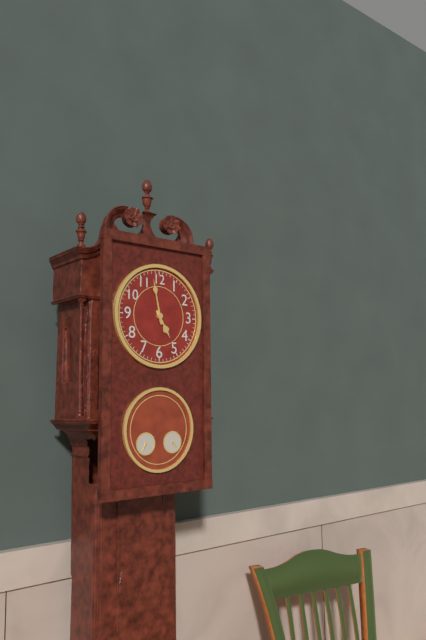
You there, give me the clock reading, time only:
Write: 4:58
